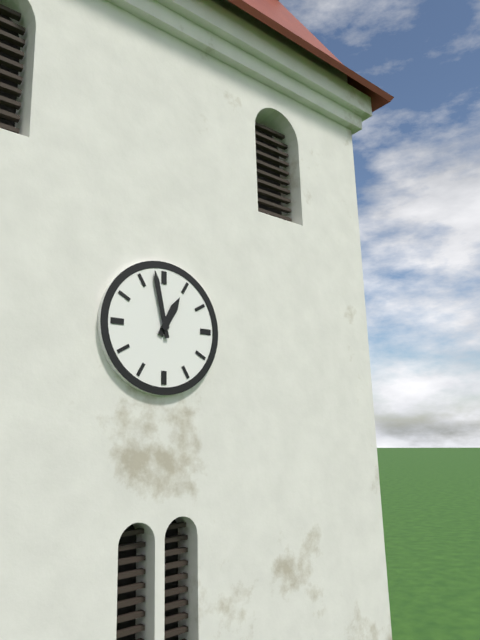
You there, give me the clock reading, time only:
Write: 12:58
